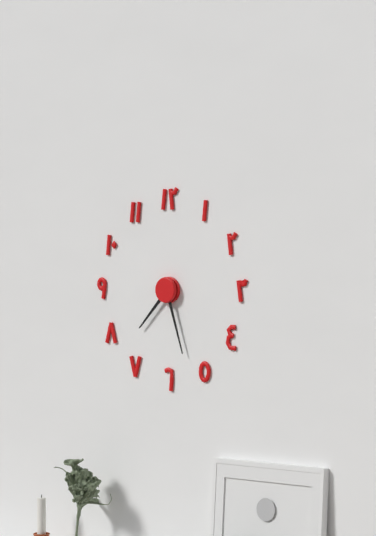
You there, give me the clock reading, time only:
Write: 7:27
